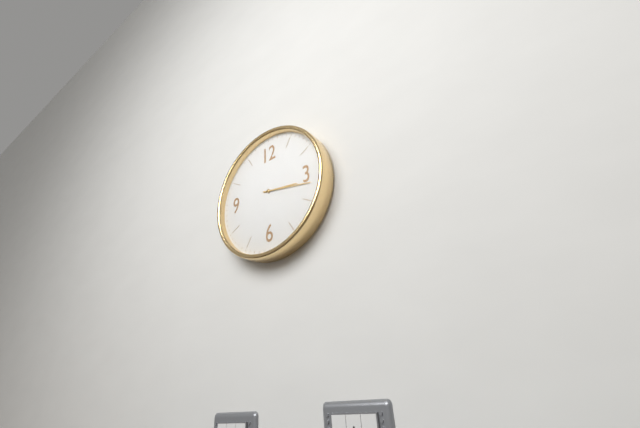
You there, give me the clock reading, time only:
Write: 3:17
